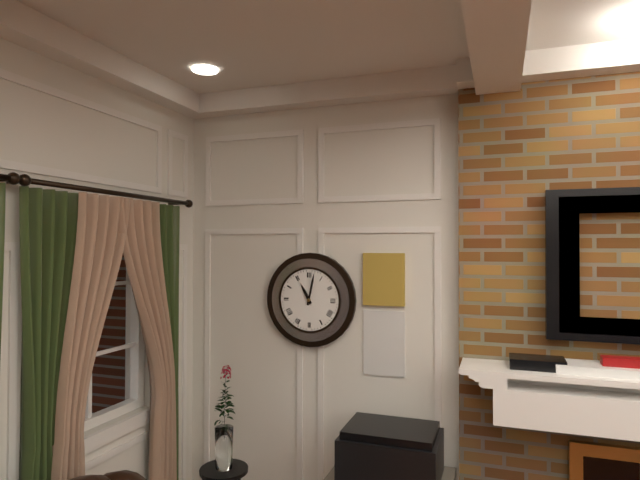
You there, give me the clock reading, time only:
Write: 11:02
